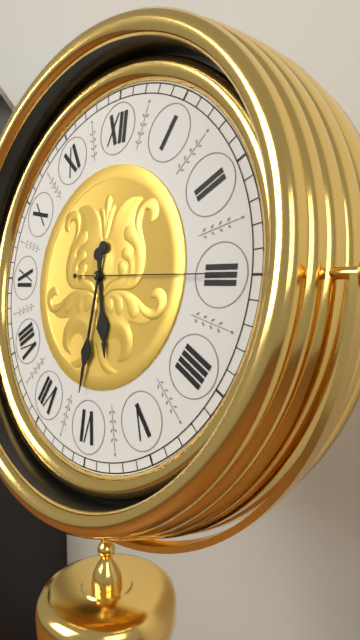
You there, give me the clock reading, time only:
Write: 5:31:15
